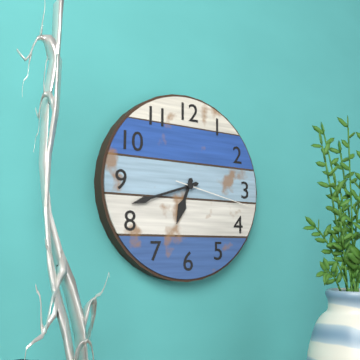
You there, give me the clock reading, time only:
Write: 6:42:17
